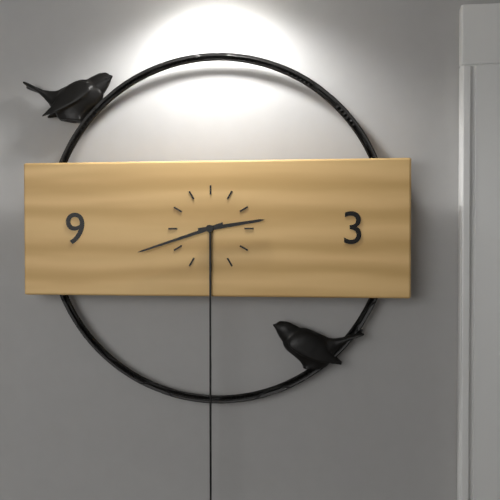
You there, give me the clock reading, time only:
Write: 2:42
